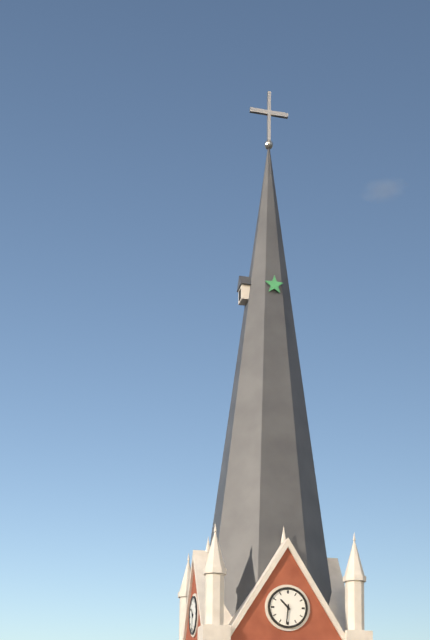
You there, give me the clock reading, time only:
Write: 10:31
